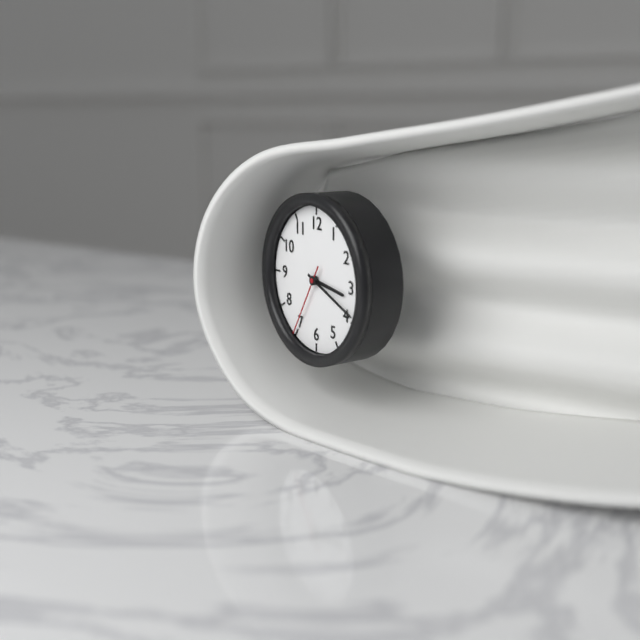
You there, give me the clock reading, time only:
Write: 3:19:35
